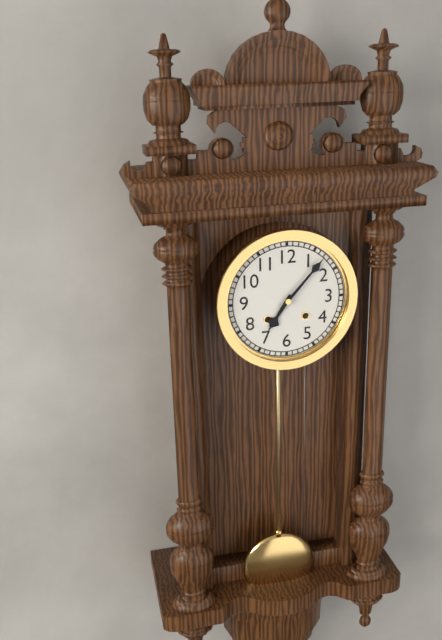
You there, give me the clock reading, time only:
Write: 7:07
